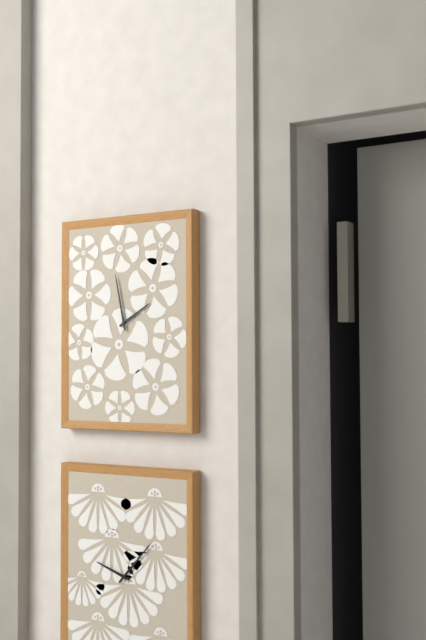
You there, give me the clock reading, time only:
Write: 1:58
